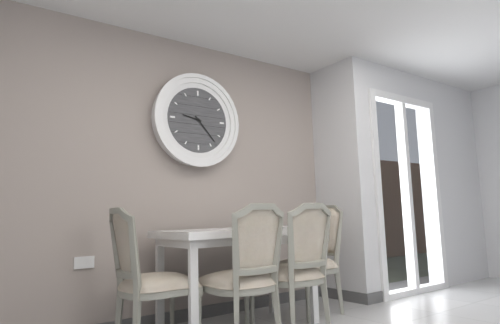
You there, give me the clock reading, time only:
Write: 9:23
